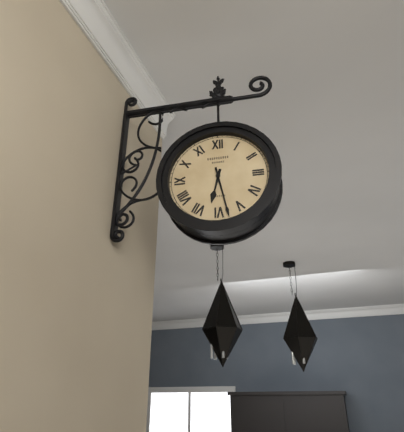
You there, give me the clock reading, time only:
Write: 6:28
